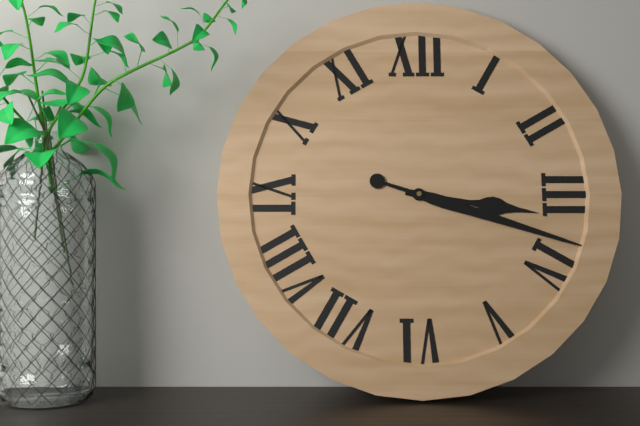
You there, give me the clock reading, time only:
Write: 3:18
